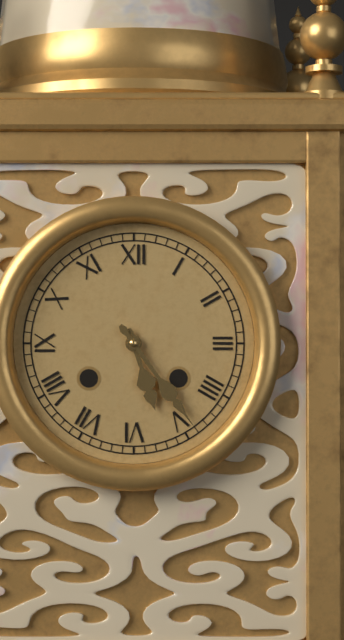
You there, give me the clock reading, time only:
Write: 5:24
